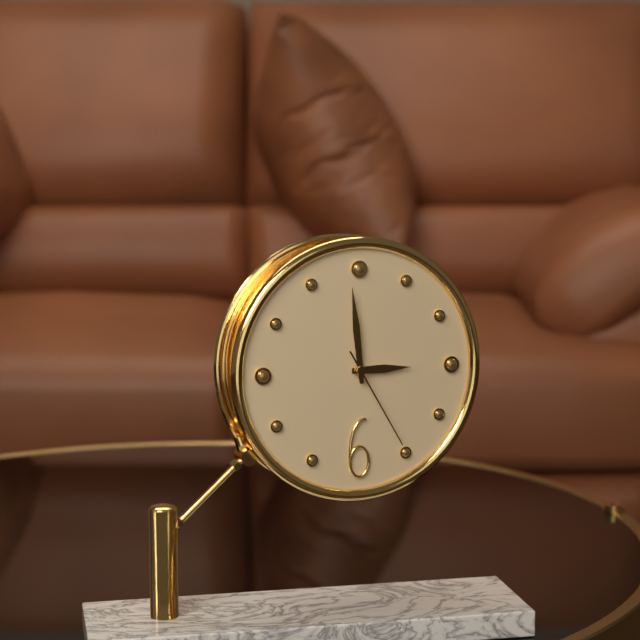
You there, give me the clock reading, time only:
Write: 2:59:25
